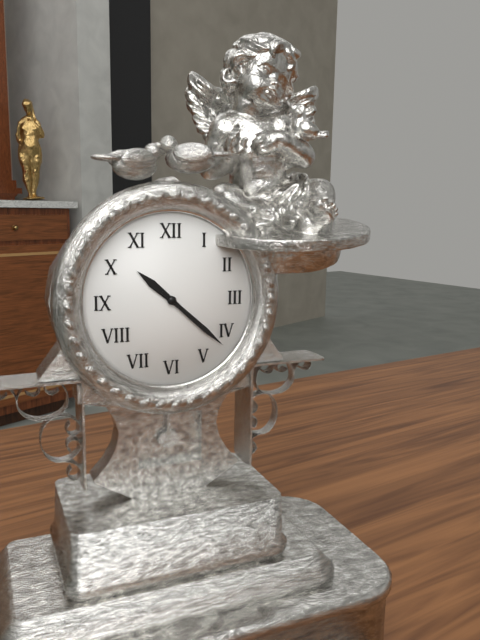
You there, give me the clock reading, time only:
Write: 10:22
